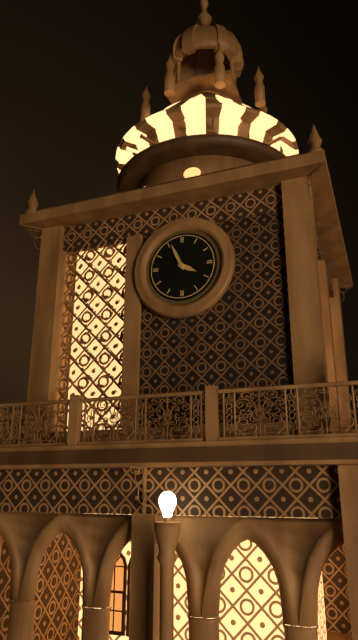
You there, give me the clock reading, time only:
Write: 3:56
